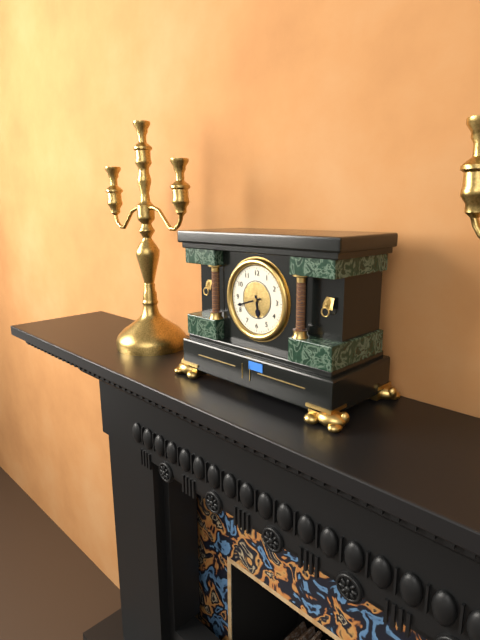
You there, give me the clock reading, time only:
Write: 5:42
